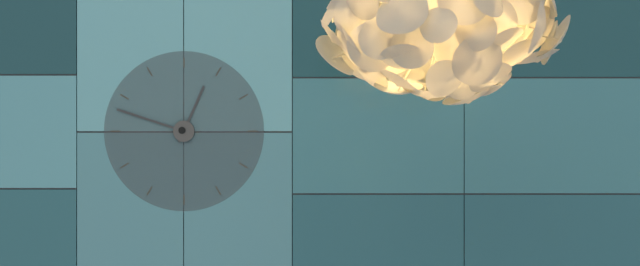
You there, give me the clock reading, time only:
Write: 12:48
